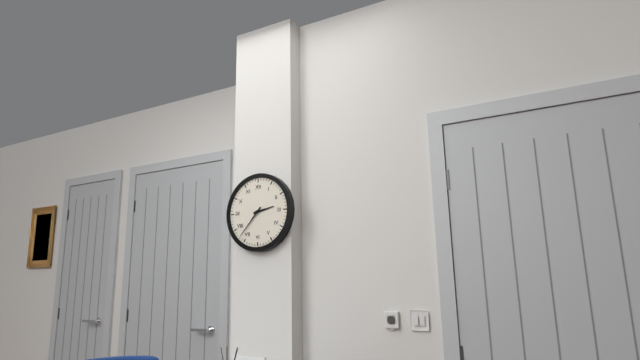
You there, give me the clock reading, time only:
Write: 2:37
